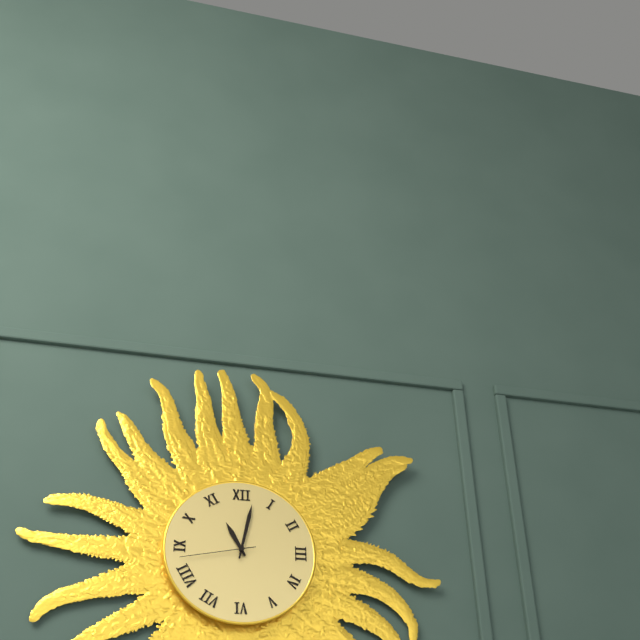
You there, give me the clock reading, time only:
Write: 11:02:43
